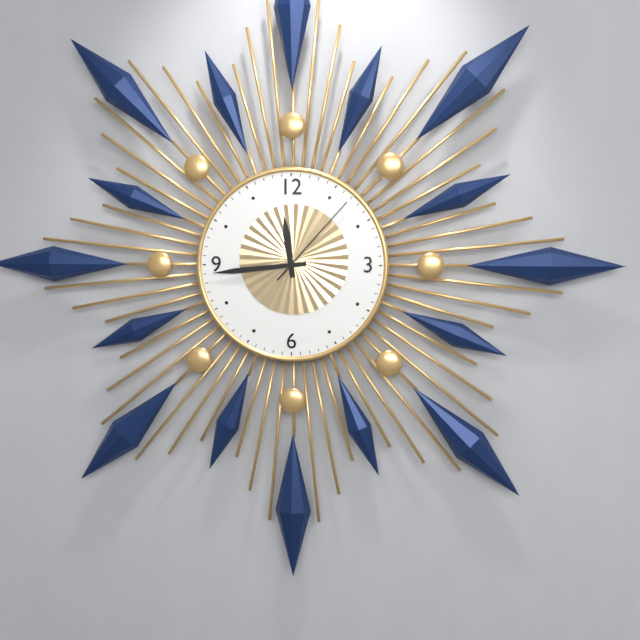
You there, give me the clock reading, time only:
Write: 11:44:07
